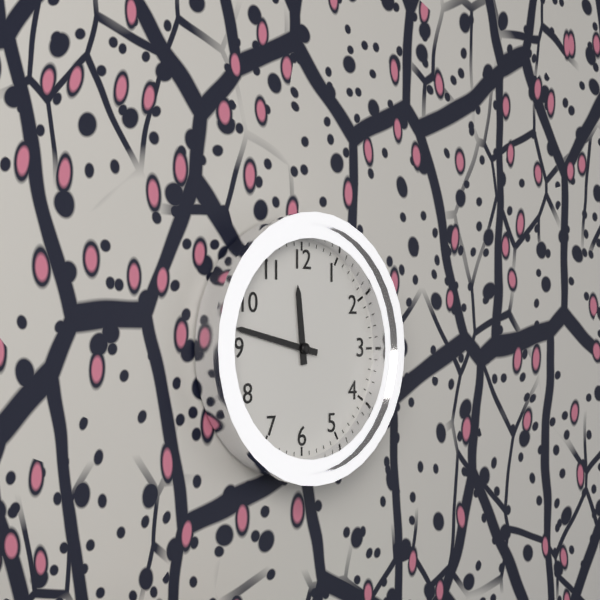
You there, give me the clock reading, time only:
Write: 11:47
